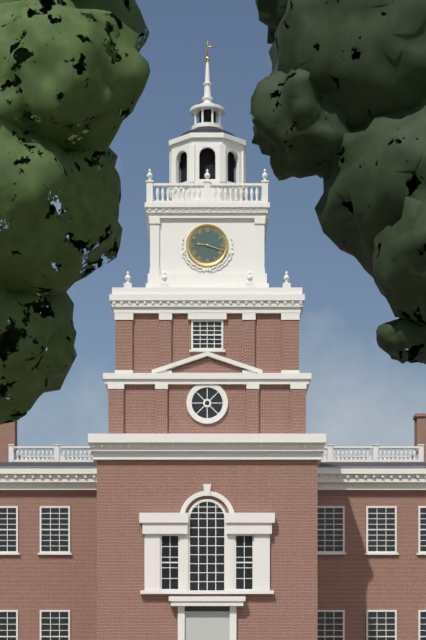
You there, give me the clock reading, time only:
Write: 9:18
